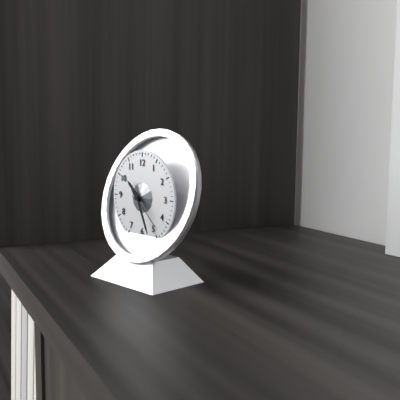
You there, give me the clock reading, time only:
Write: 10:26
